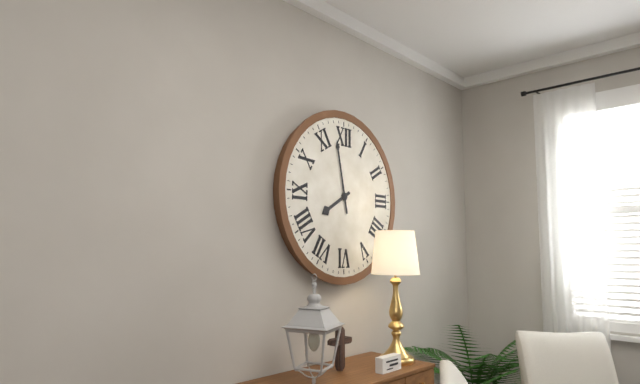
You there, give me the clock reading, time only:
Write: 7:58
